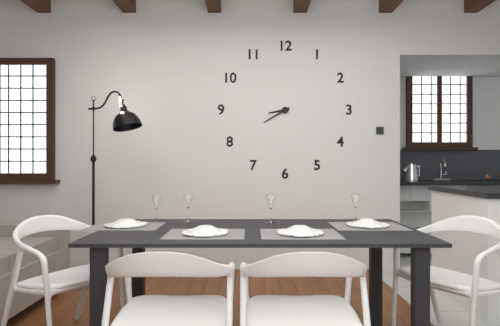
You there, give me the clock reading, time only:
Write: 8:40
